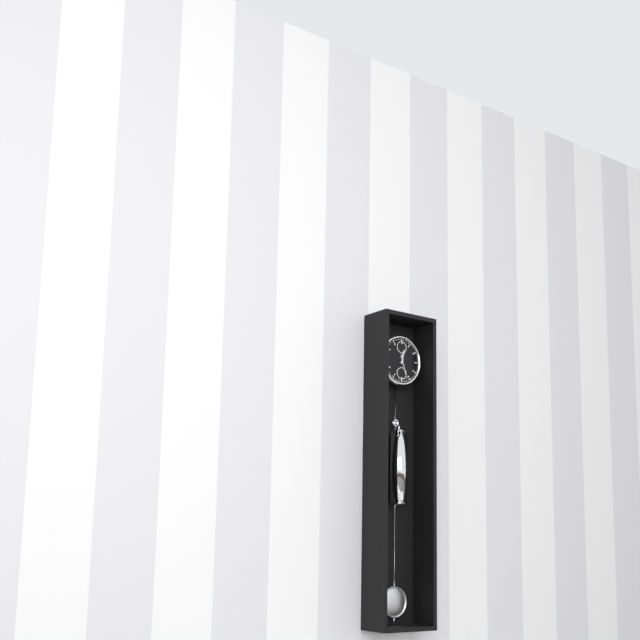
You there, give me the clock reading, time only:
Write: 12:27
